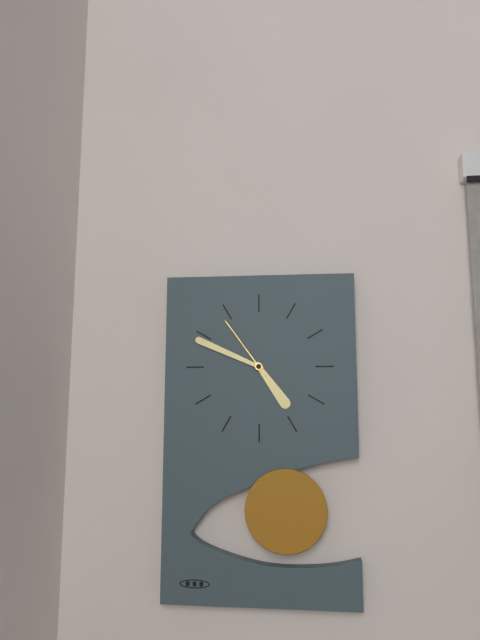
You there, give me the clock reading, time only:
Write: 4:49:54
